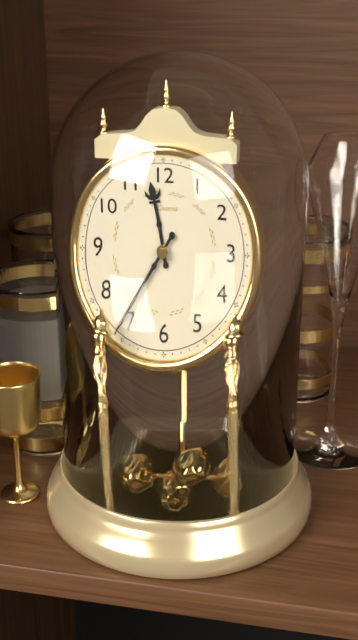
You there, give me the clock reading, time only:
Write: 11:36
